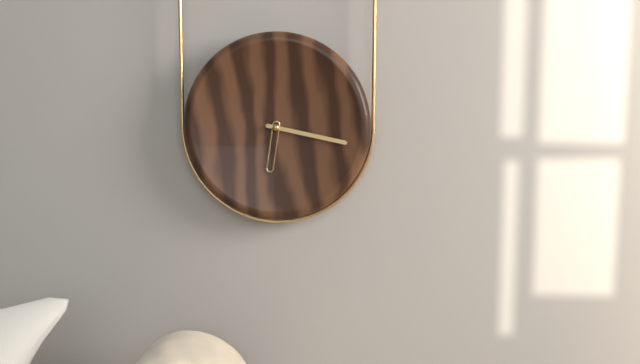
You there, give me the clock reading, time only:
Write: 6:17
